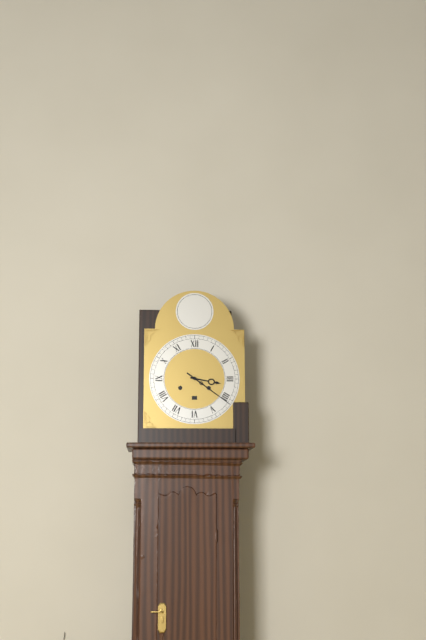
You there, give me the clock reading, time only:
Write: 3:21
